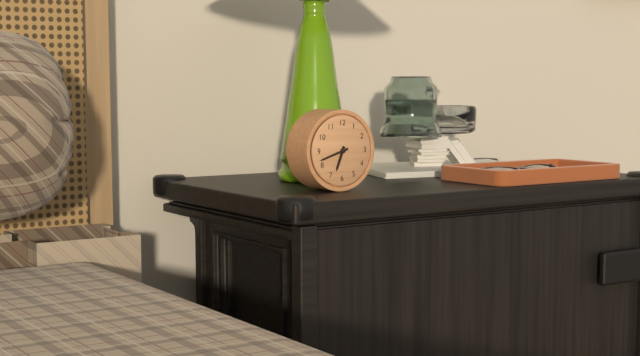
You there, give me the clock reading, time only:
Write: 6:42
